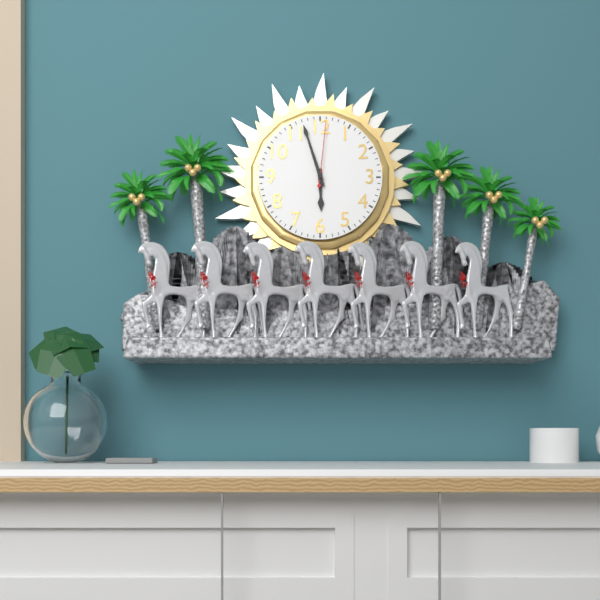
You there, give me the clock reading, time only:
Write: 5:57:01
